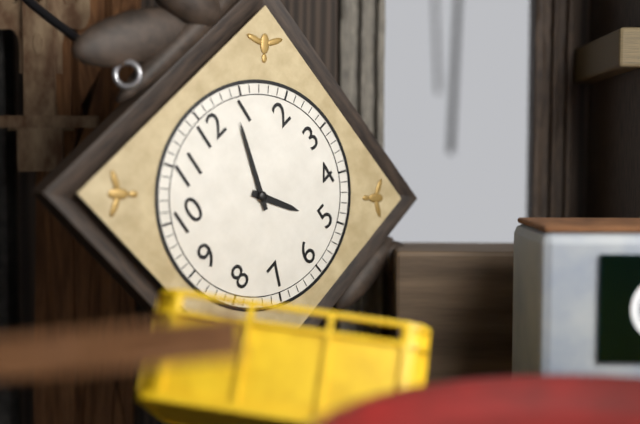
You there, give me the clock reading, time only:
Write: 5:04
